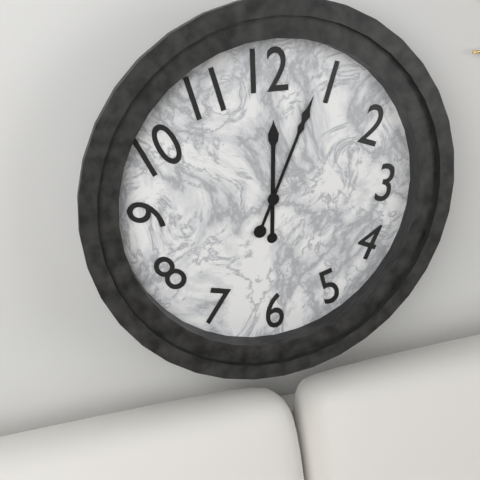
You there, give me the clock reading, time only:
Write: 12:04
